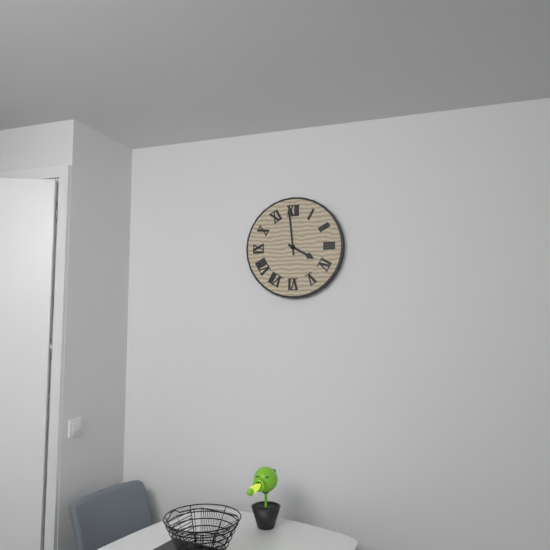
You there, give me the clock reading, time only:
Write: 3:59
